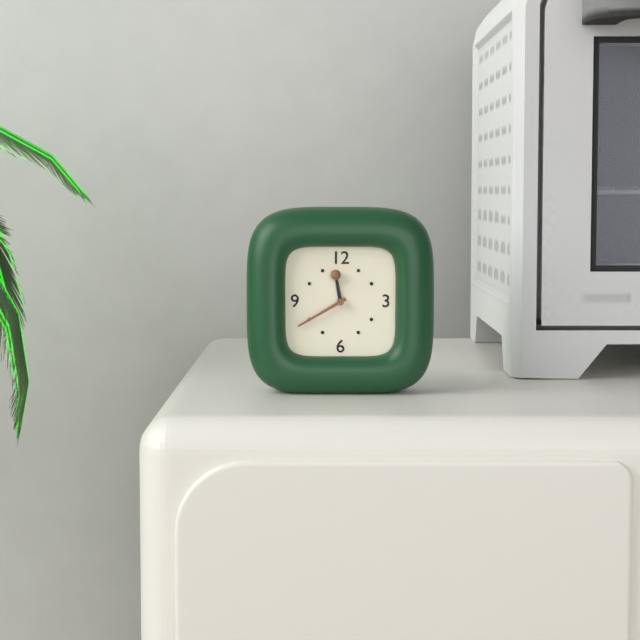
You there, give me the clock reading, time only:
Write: 11:40
